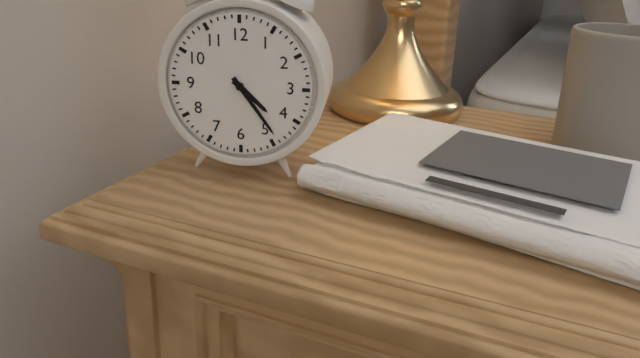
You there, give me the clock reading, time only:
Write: 4:24
